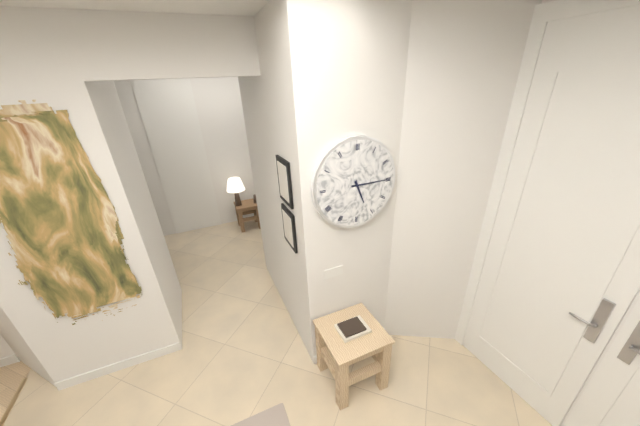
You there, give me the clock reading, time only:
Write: 5:15
